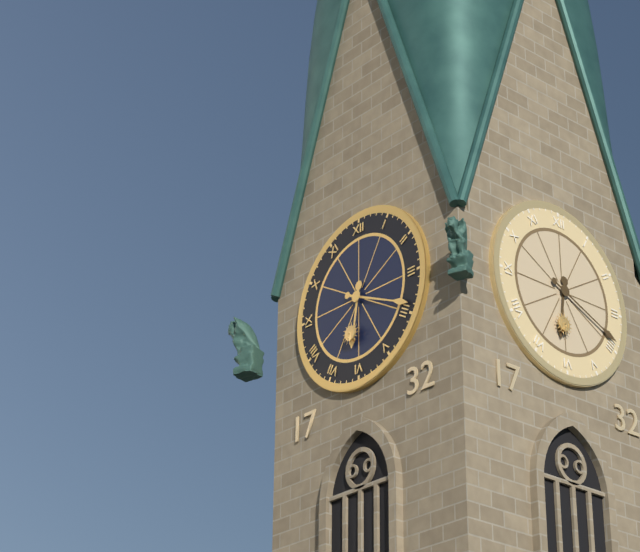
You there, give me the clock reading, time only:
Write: 6:19
